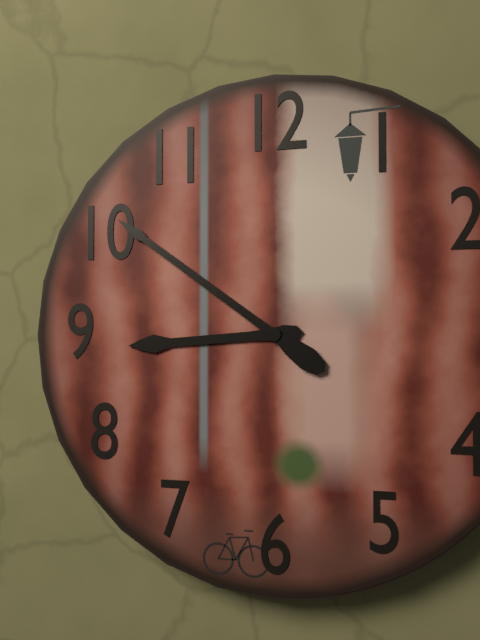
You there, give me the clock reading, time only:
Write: 8:51
